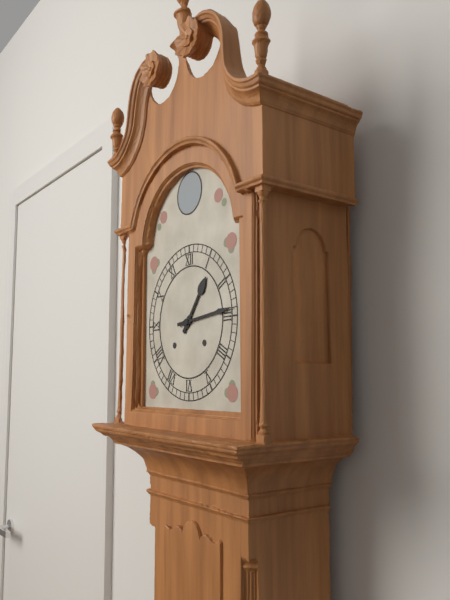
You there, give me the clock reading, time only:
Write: 1:14
